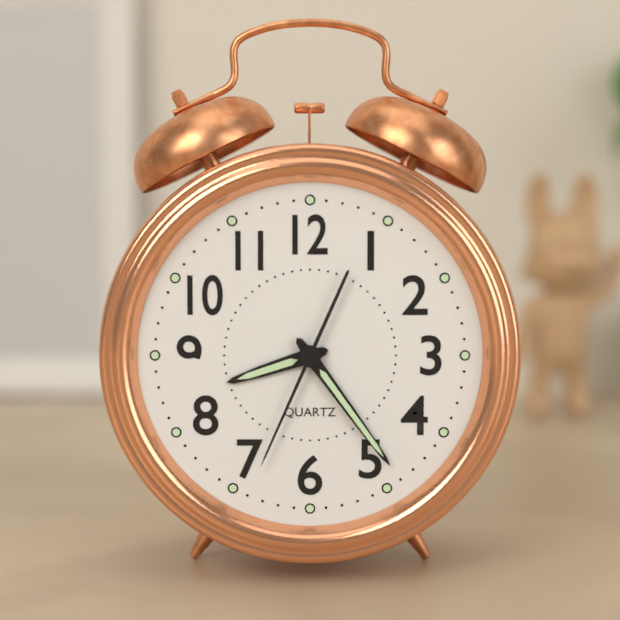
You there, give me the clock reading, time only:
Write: 8:24:34
